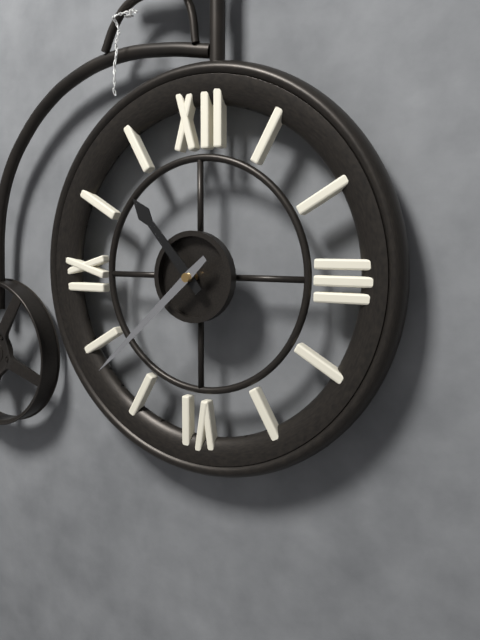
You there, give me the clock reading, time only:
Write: 10:38
